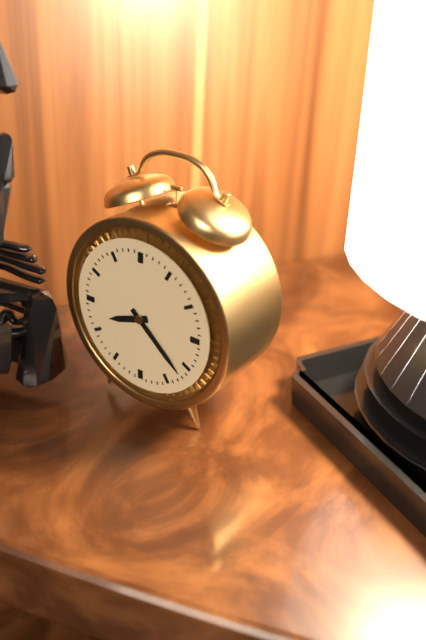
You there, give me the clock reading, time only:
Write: 8:22
